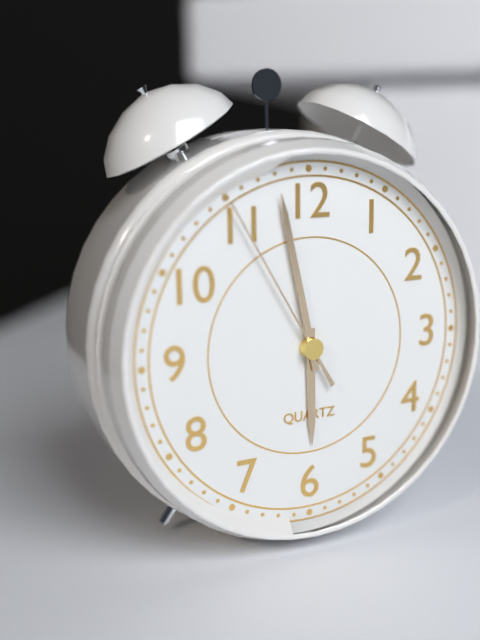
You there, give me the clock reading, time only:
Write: 5:58:55
